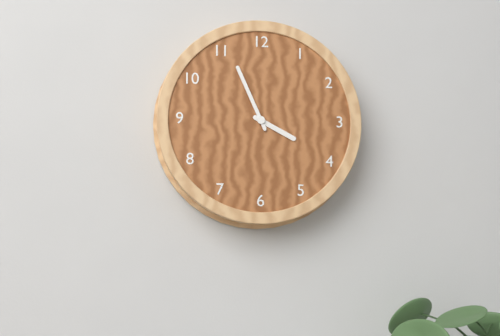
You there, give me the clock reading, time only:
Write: 3:56
